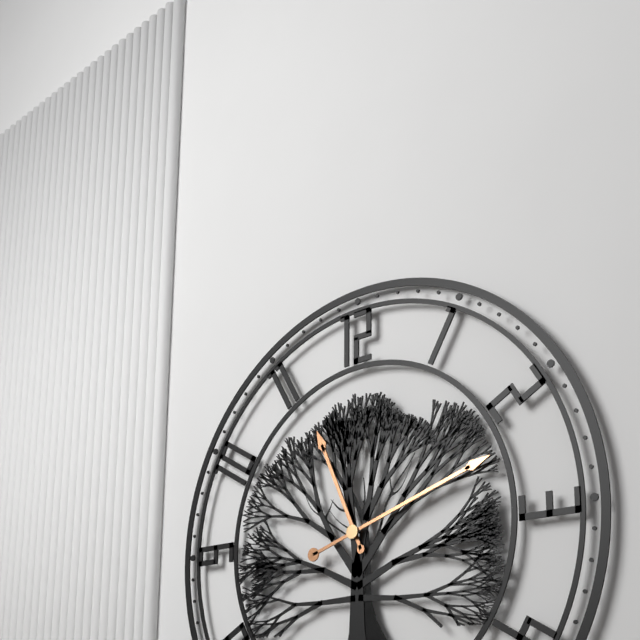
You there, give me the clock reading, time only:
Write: 11:12
